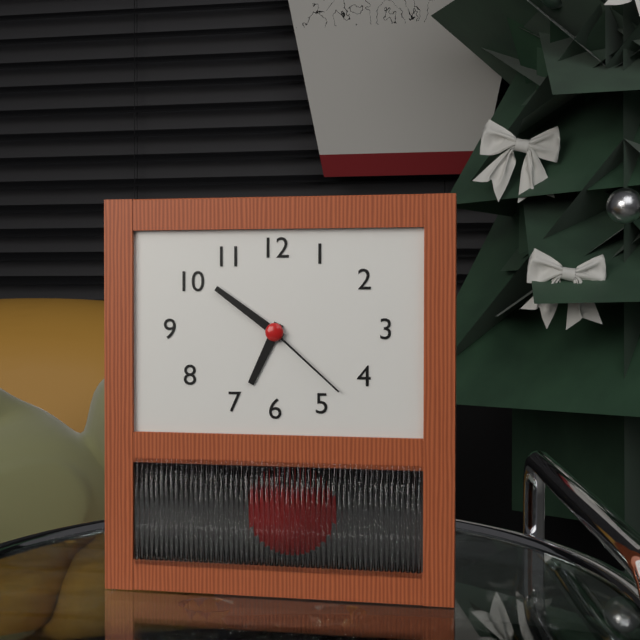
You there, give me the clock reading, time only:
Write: 6:51:22
